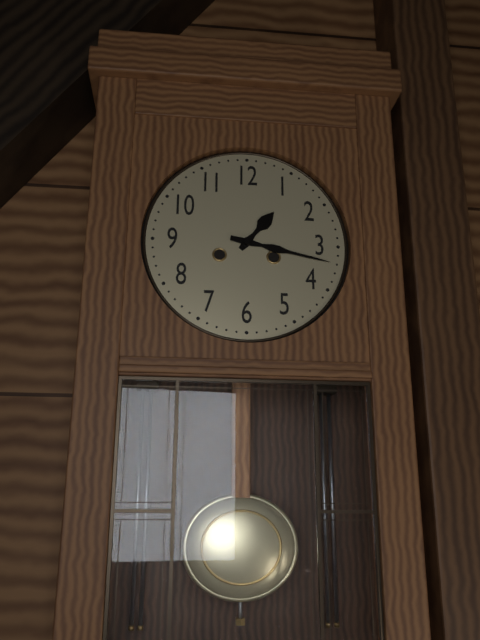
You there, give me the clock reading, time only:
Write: 1:17
